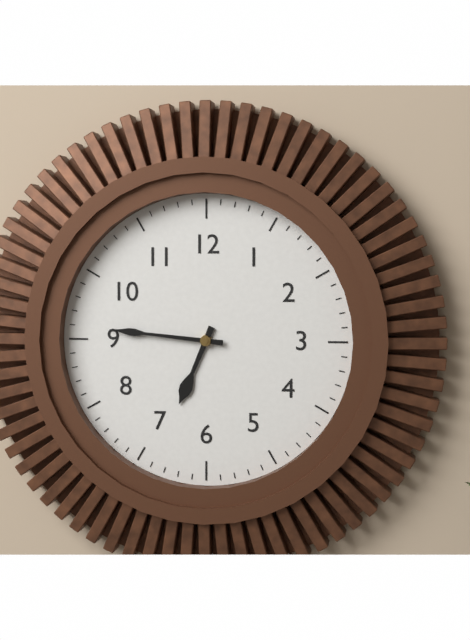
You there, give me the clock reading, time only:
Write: 6:46
